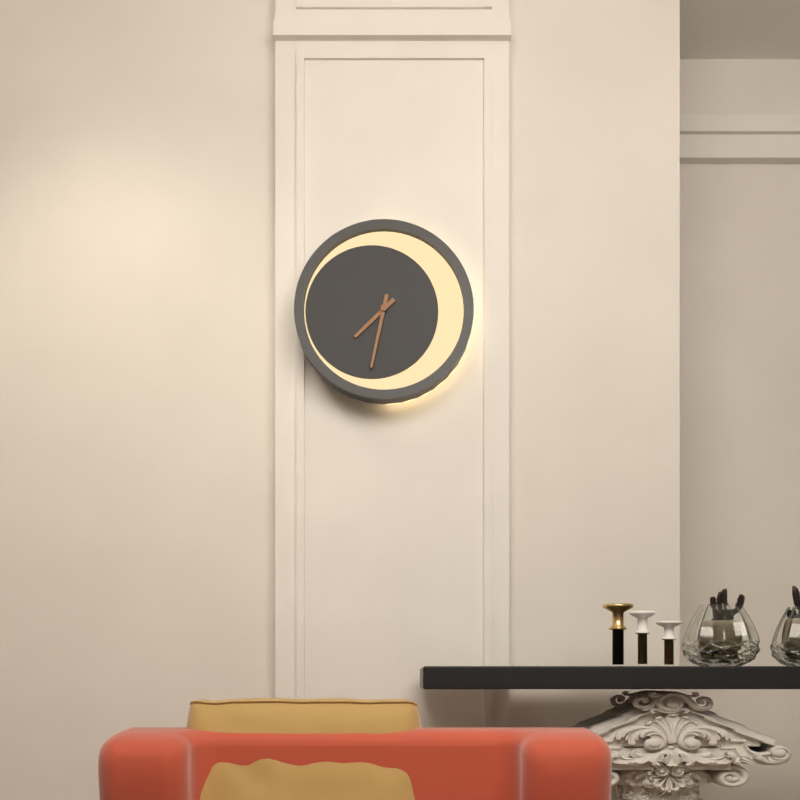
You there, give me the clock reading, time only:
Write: 7:32
